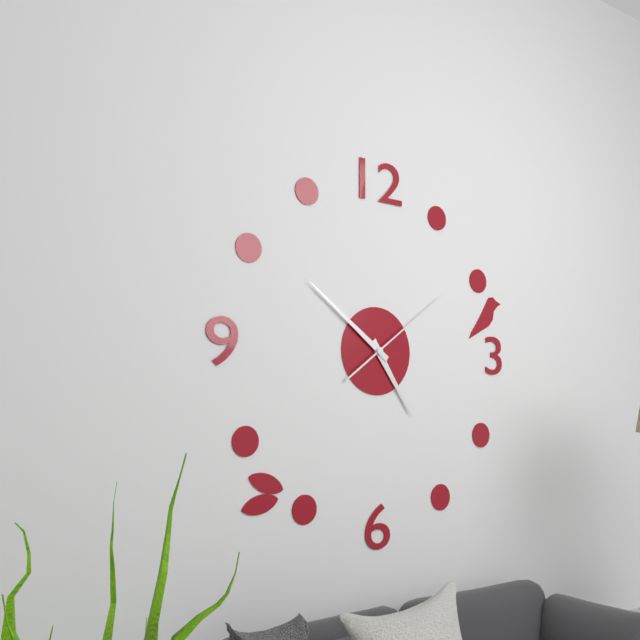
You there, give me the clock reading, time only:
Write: 4:51:09
